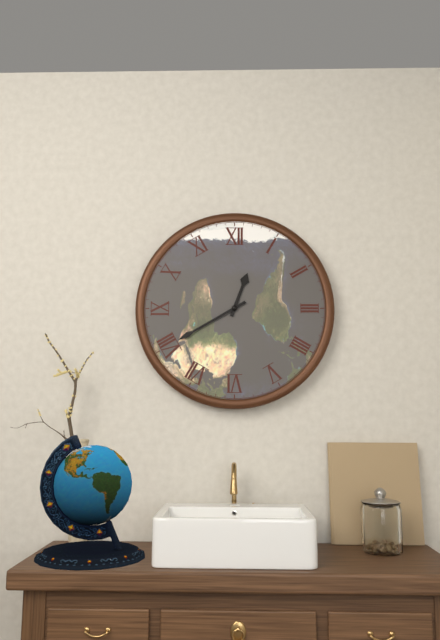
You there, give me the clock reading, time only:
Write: 12:40
